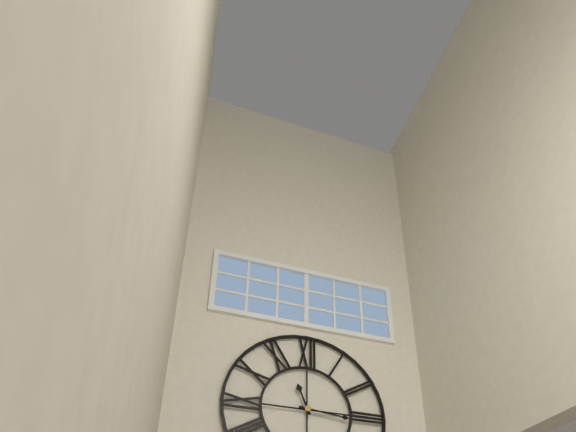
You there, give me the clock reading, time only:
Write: 11:16
